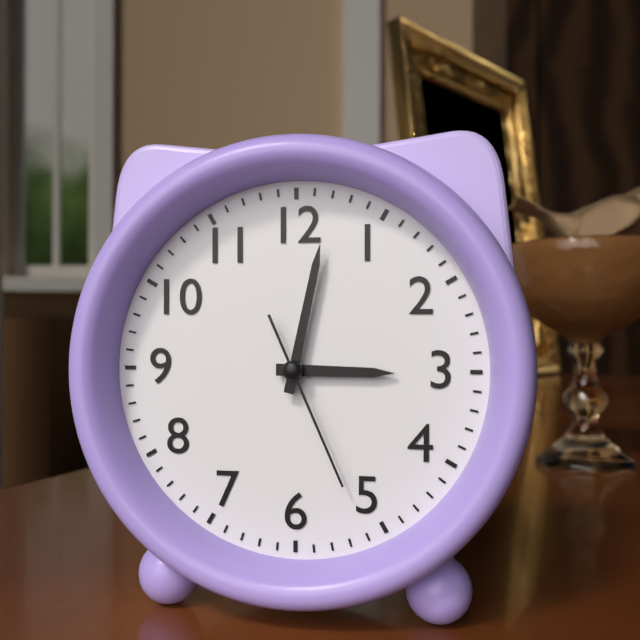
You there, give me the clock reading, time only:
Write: 3:02:26
